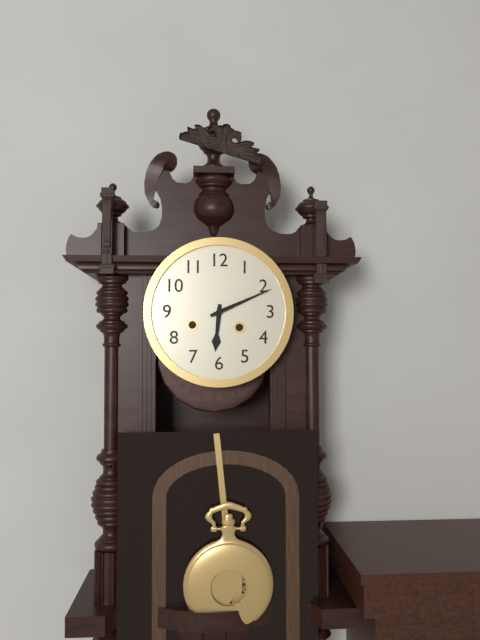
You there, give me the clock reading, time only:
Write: 6:11
